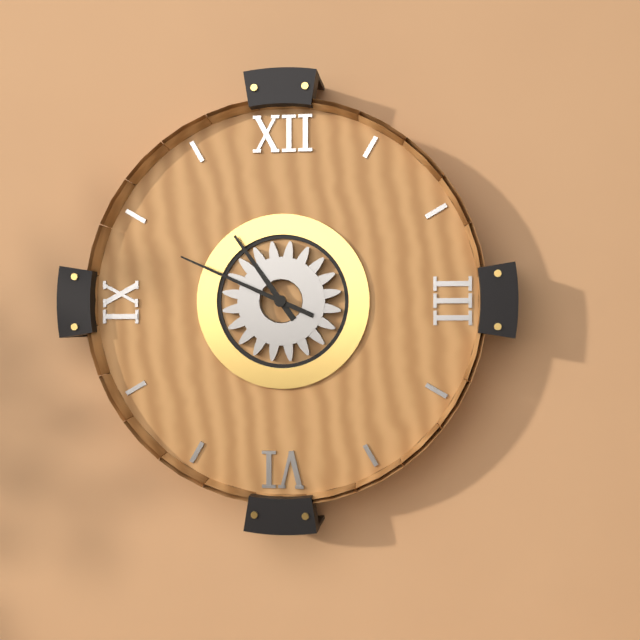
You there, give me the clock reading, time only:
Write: 10:49
